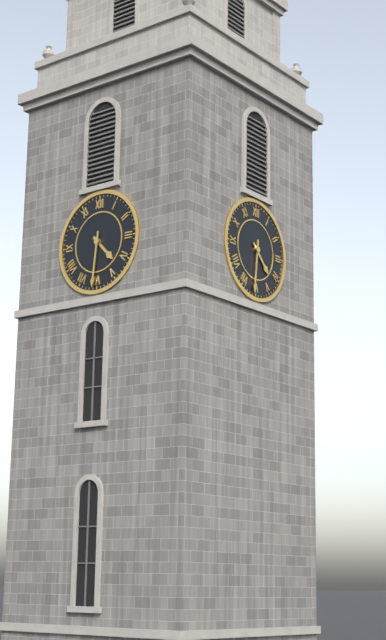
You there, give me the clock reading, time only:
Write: 4:31
